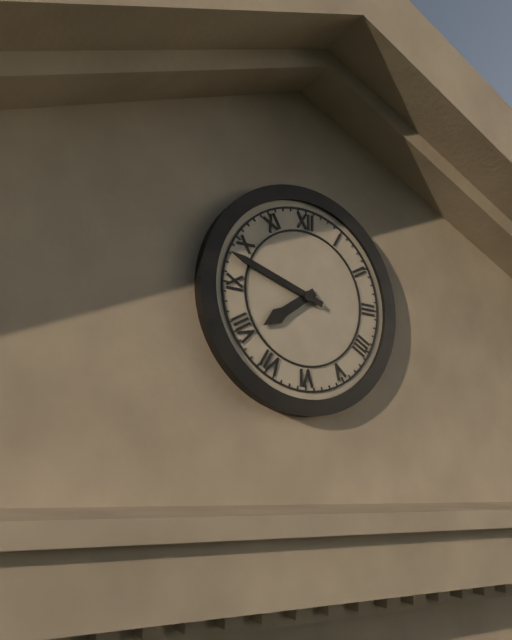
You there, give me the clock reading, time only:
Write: 7:48
